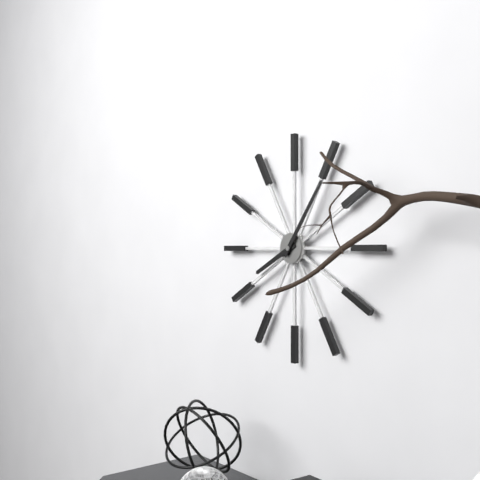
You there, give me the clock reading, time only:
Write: 8:06
